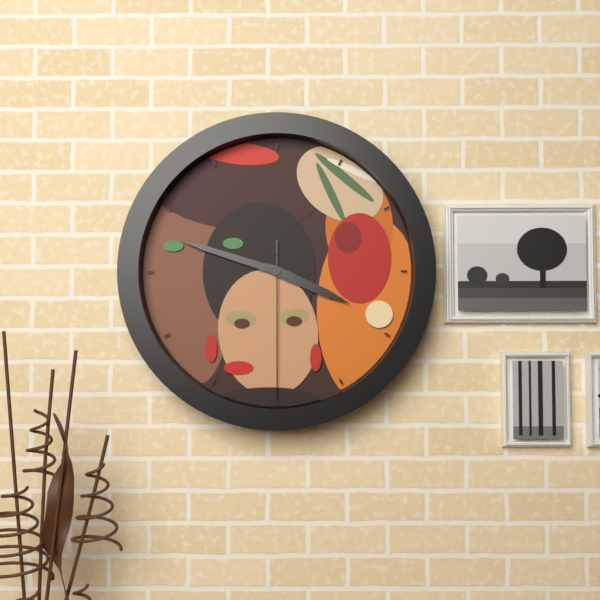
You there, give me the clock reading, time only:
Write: 3:48:30
